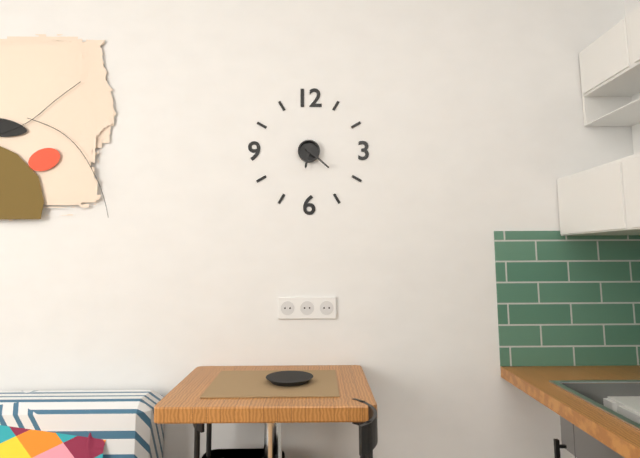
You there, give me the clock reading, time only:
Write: 6:22
